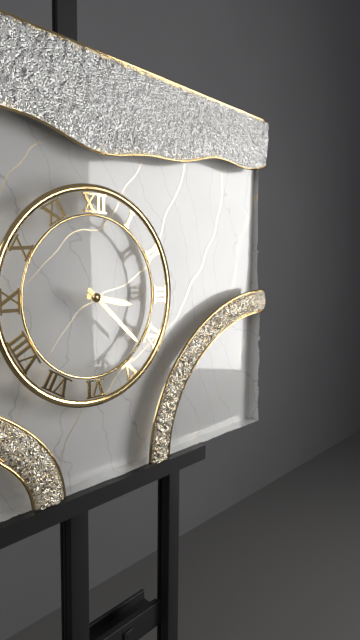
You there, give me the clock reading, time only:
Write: 3:22
